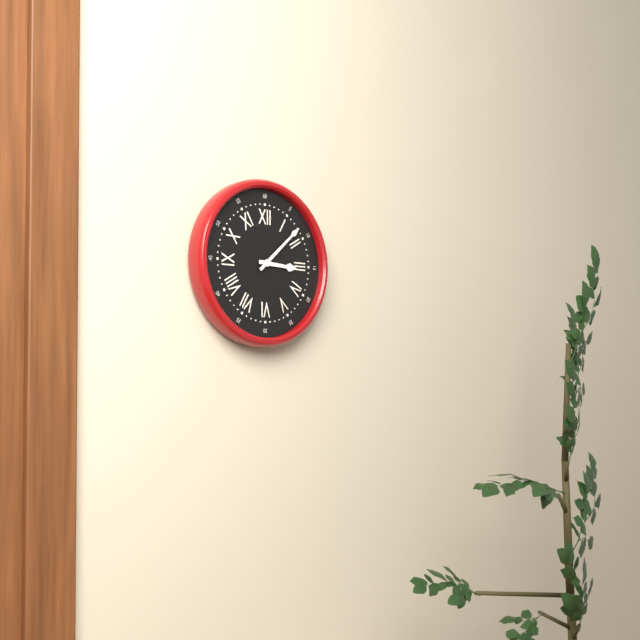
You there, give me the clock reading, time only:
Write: 3:08
